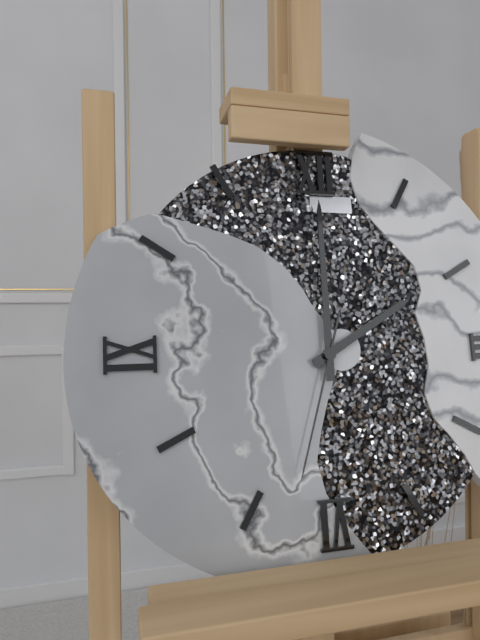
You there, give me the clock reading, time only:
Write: 2:00:33
